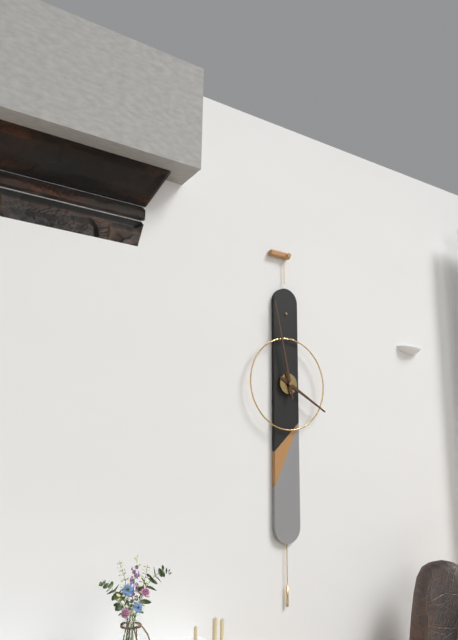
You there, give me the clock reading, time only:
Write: 3:58
